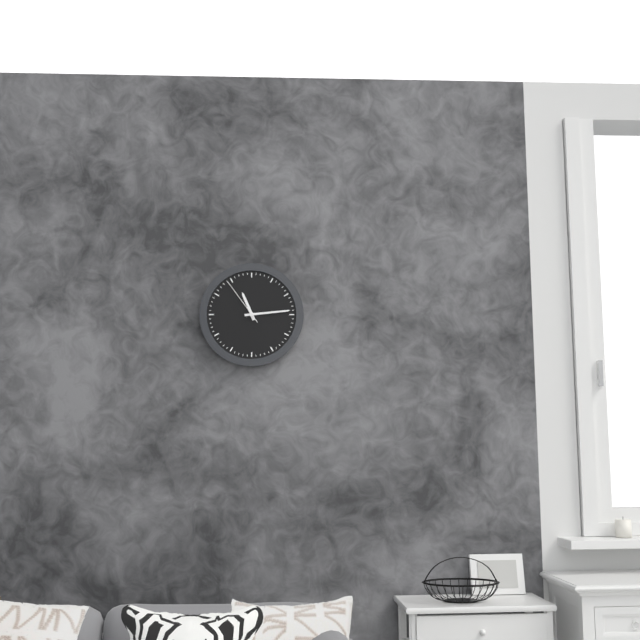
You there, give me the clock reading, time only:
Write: 11:14:54
